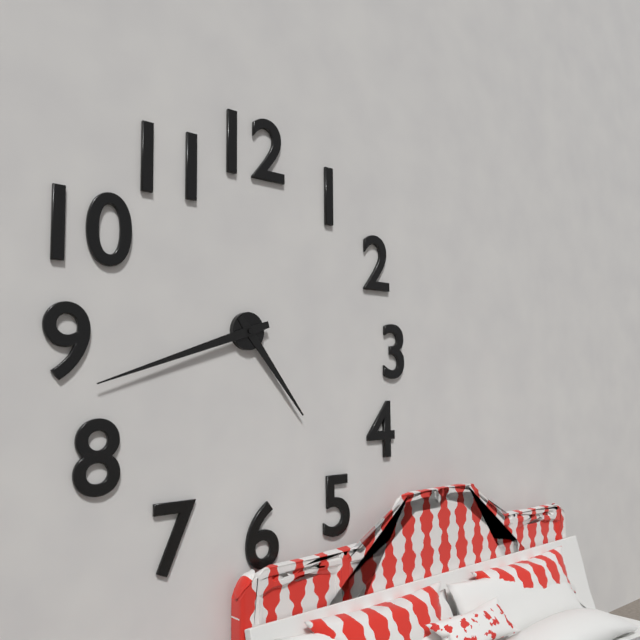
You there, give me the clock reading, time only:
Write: 4:42
